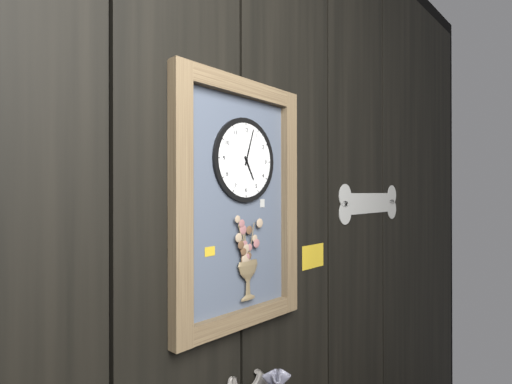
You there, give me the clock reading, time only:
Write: 5:03
